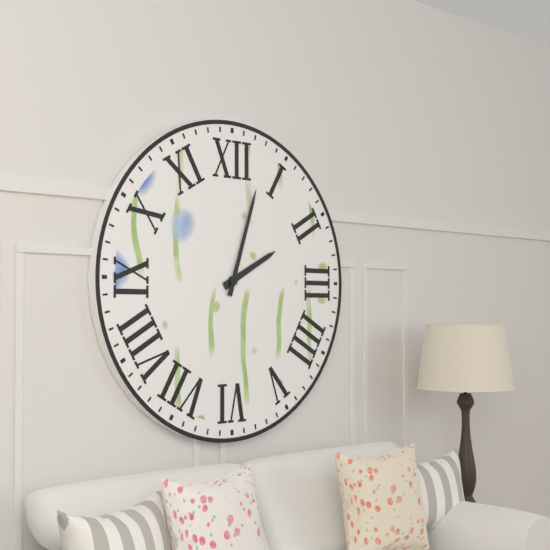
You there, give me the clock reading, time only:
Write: 2:03
